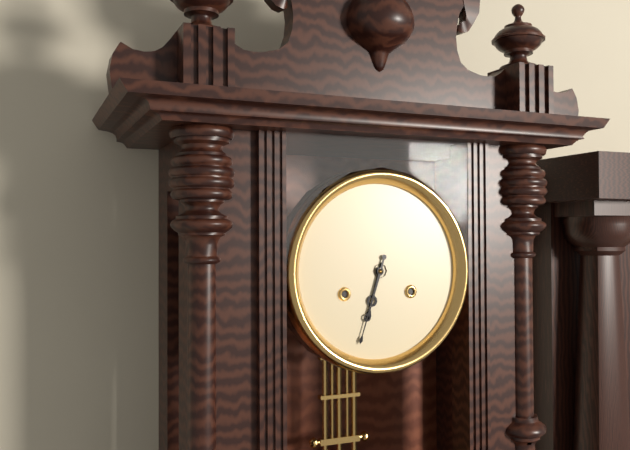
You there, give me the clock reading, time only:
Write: 6:33
